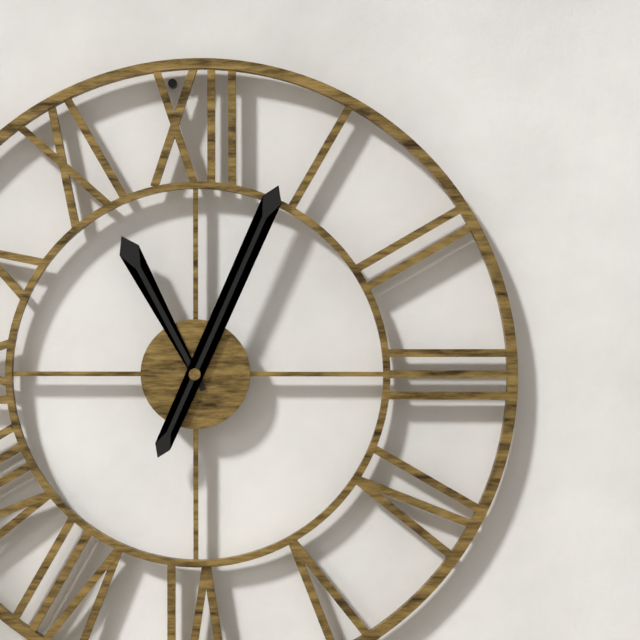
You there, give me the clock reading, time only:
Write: 11:04
